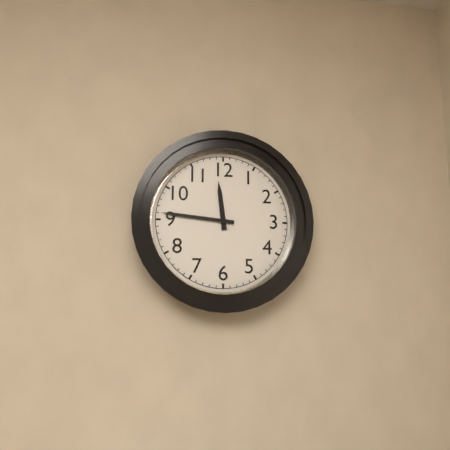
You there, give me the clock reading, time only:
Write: 11:46
